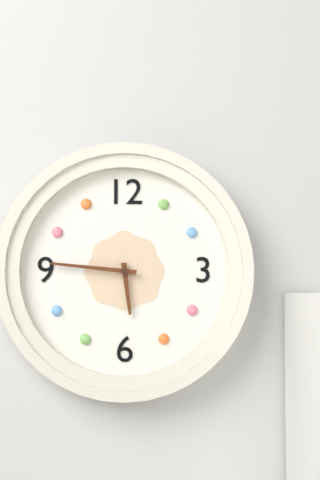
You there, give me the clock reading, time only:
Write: 5:46
